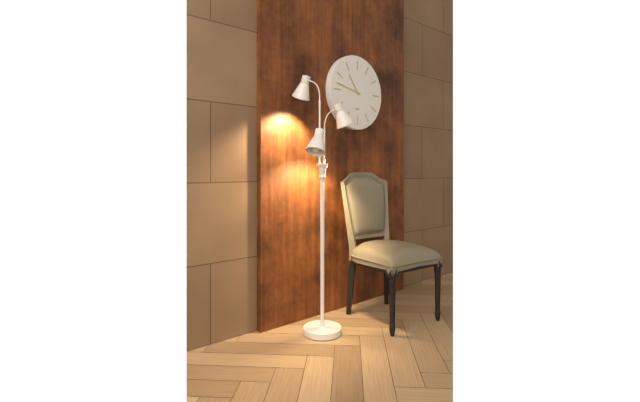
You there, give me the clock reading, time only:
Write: 10:47
